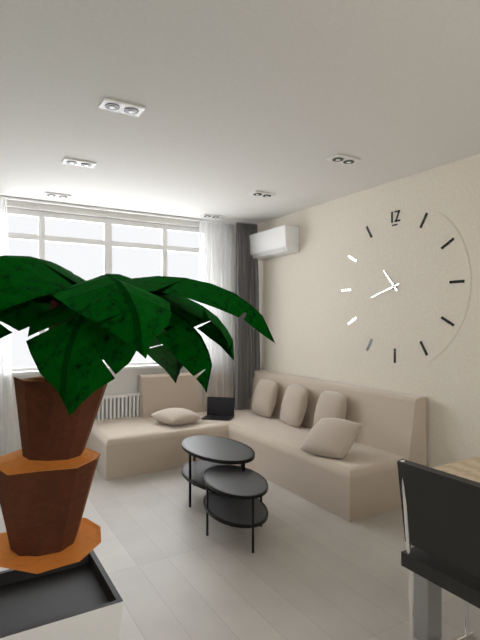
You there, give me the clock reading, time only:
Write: 10:42
